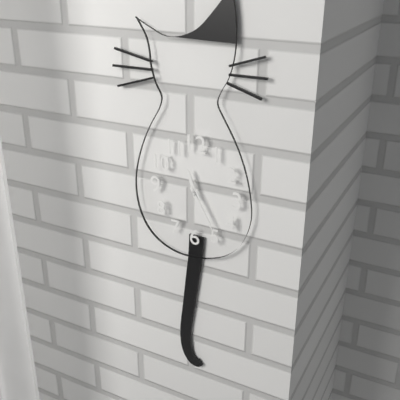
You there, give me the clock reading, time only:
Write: 11:25
